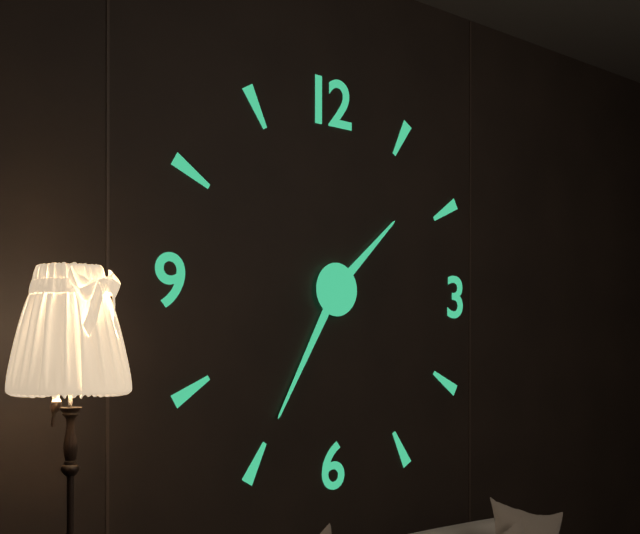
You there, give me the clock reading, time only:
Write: 1:35
